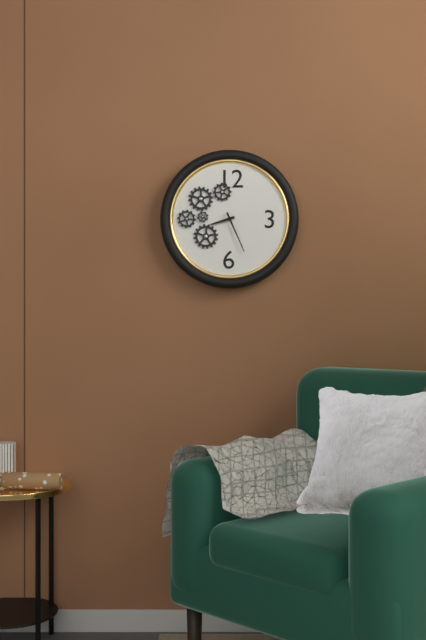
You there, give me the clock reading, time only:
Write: 8:26
